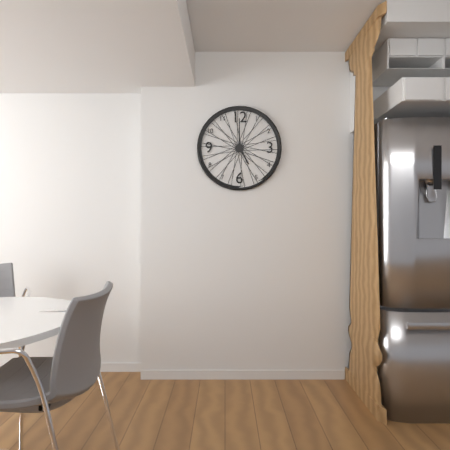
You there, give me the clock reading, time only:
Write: 5:00
